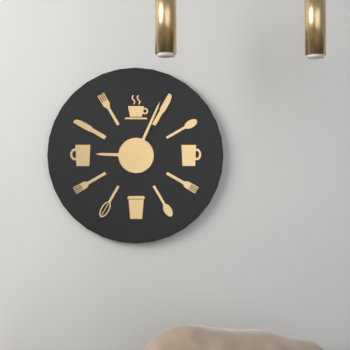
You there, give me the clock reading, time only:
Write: 9:04
